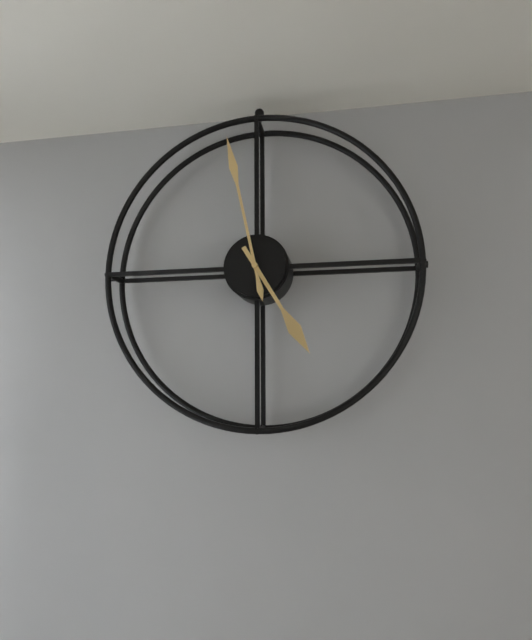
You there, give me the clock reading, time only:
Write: 4:58
